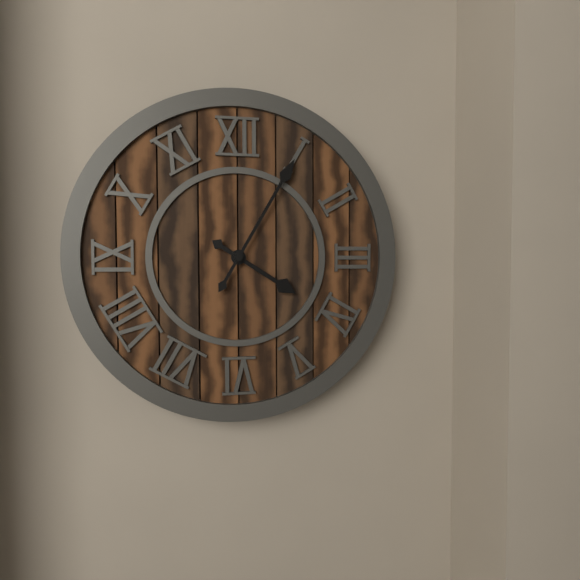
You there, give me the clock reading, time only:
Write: 4:05
